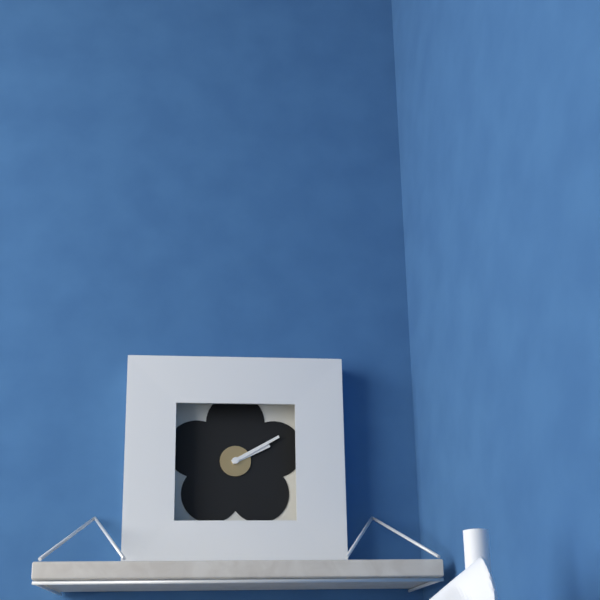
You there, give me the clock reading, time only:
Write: 2:10
